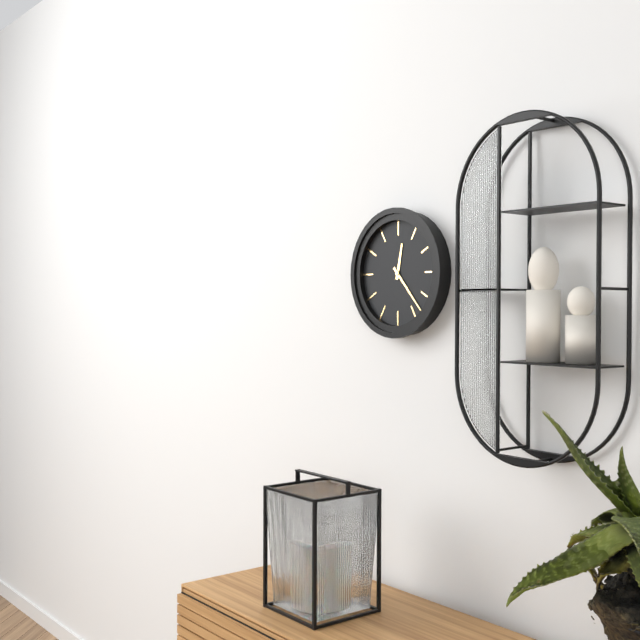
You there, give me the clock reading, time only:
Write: 12:23
